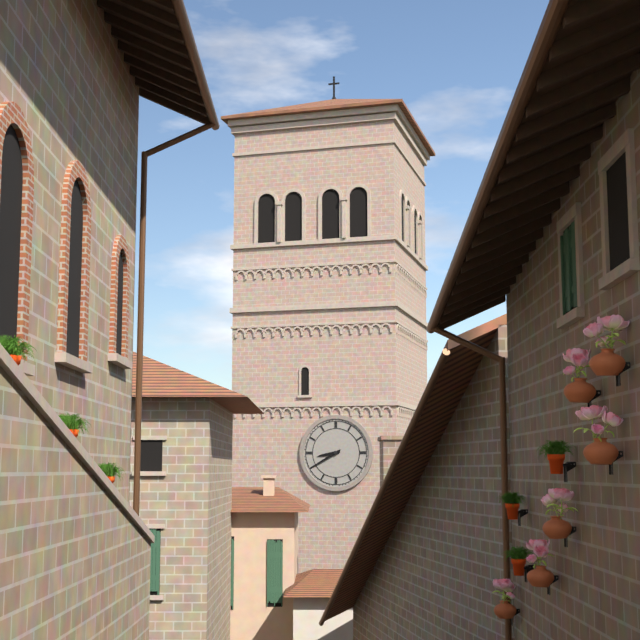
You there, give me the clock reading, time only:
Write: 8:40
